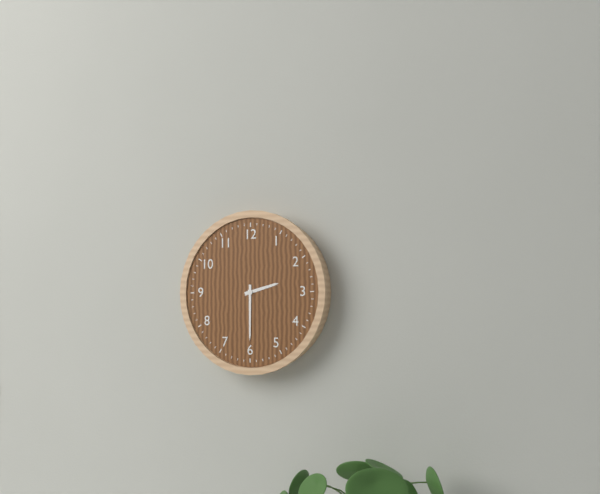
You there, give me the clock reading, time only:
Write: 2:30
